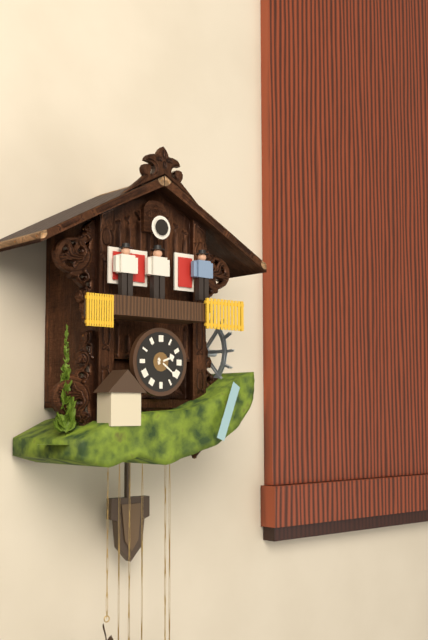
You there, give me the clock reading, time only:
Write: 2:21
